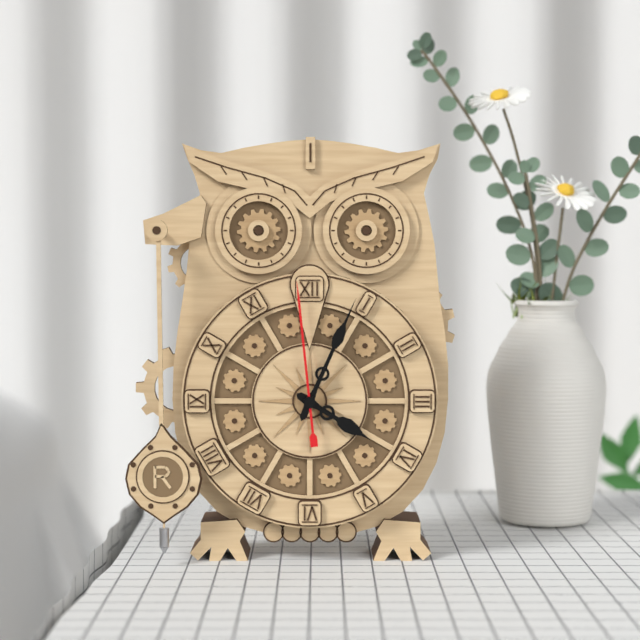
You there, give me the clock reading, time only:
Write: 4:04:59
